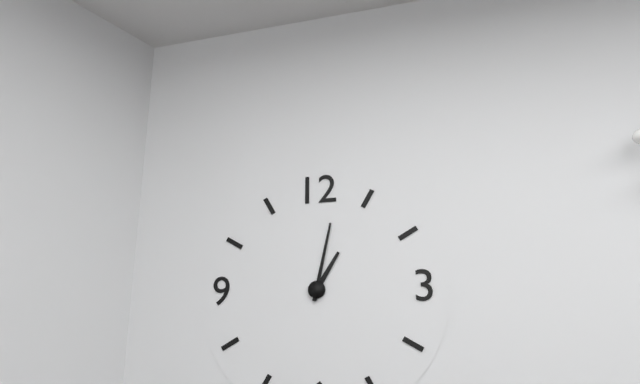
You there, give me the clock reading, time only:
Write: 1:02
